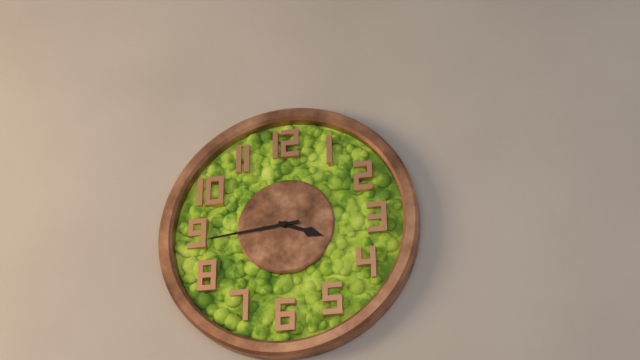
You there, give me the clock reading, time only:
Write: 3:44
